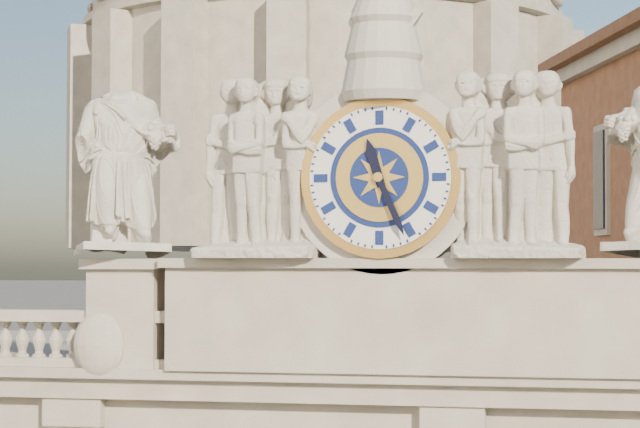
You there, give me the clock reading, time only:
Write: 11:26
